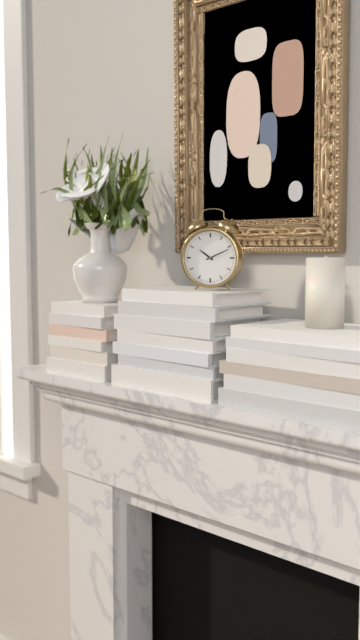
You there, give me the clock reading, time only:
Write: 10:11
